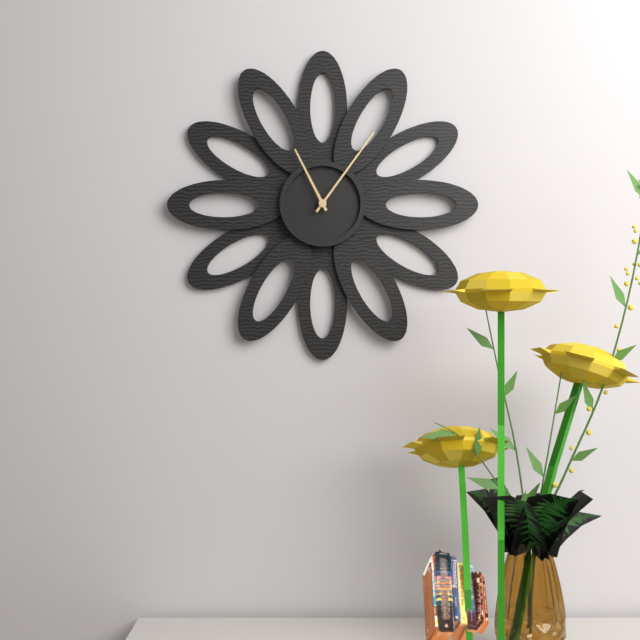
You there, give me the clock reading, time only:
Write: 11:06
